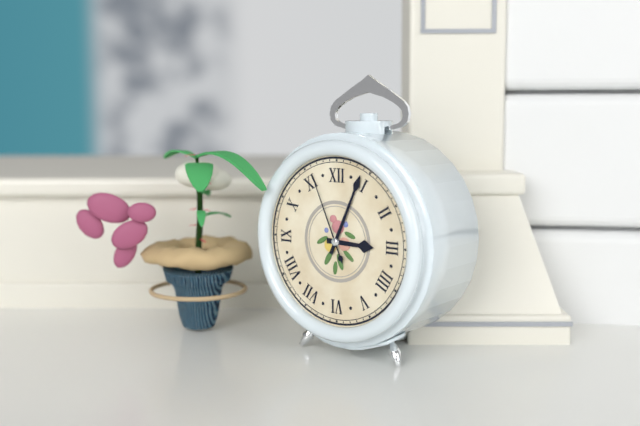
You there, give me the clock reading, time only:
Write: 3:04:56
